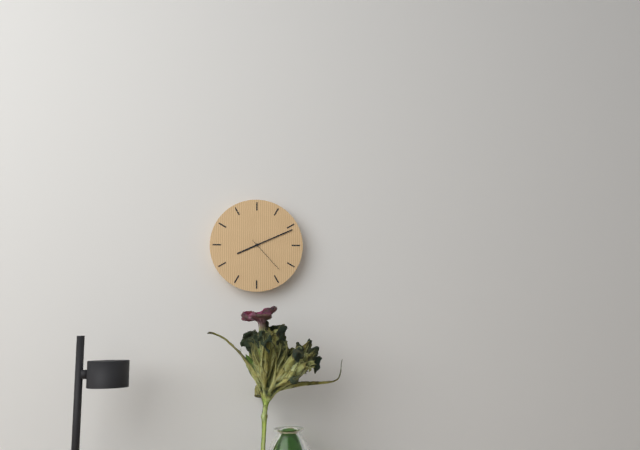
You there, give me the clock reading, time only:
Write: 8:11
